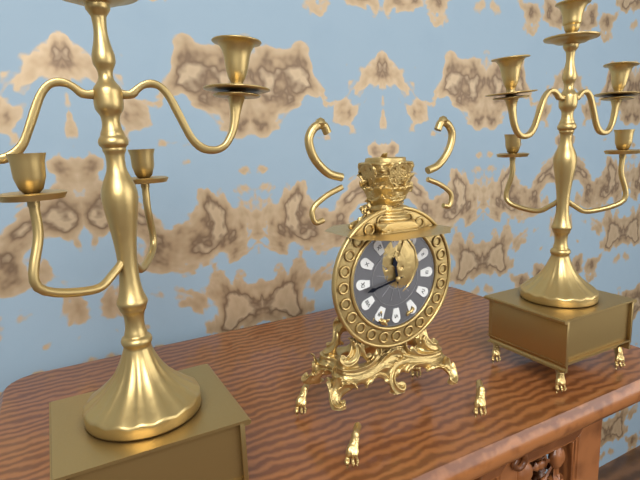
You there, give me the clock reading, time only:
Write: 11:43
